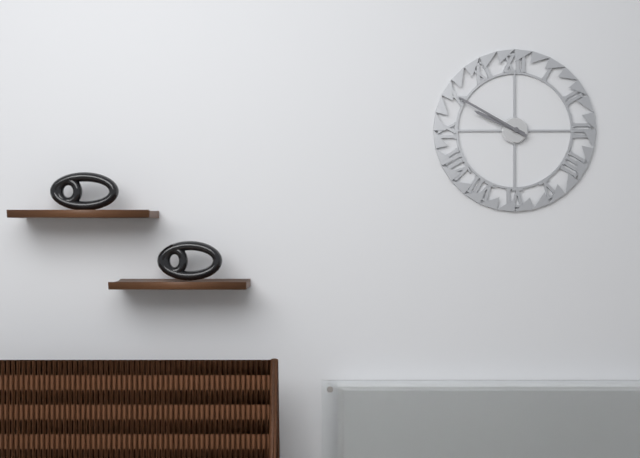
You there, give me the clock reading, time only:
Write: 9:50
